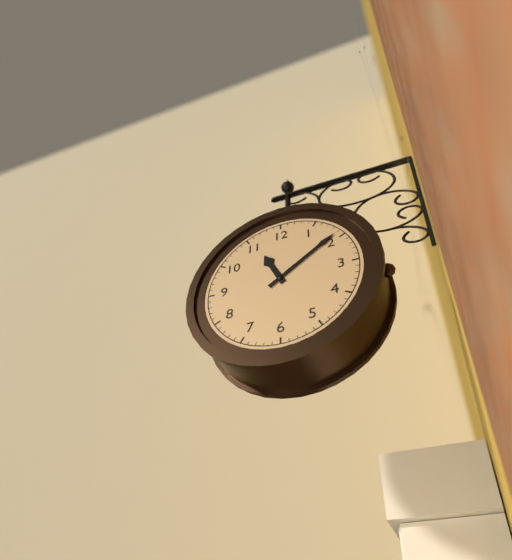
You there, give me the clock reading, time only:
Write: 11:09
